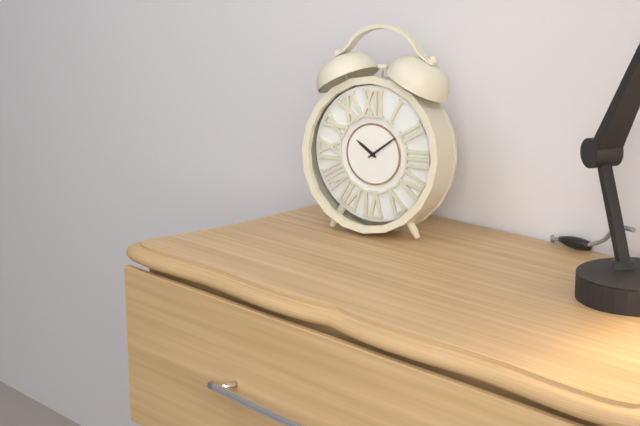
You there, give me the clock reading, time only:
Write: 10:09
